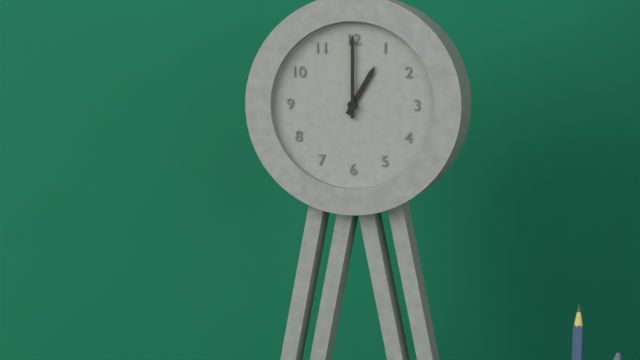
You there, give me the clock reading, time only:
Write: 1:00
